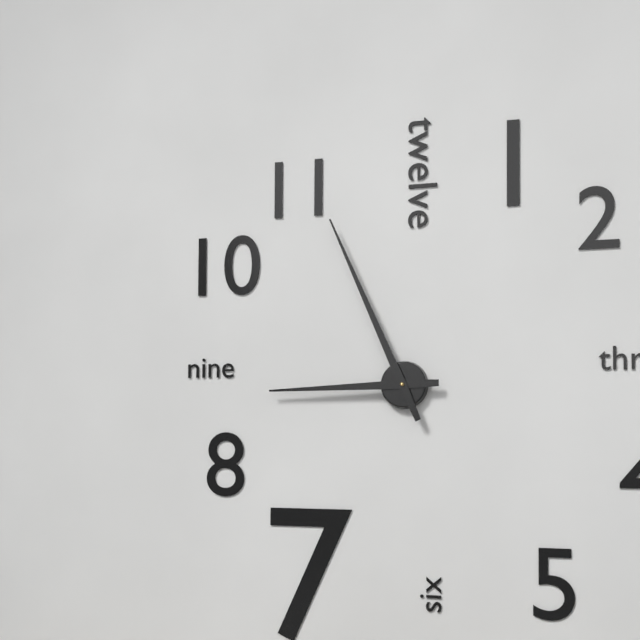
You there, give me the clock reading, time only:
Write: 8:56
